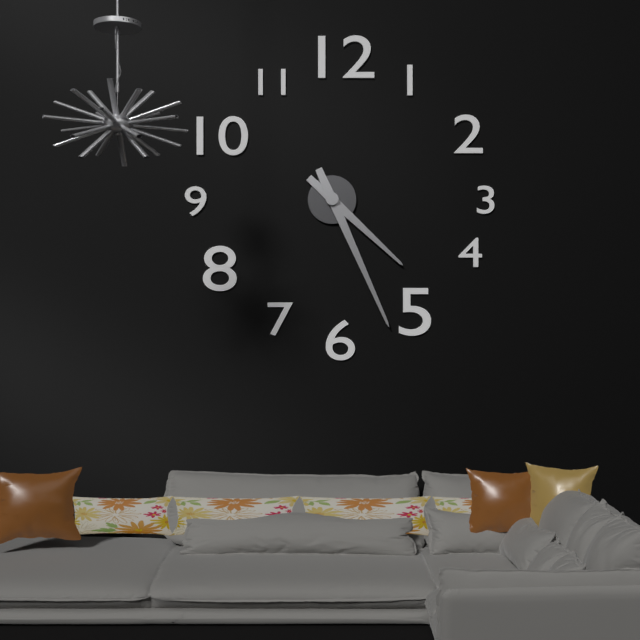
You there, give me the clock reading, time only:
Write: 4:26
